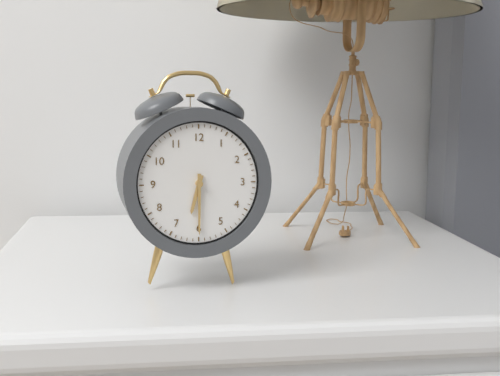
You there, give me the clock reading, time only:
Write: 6:30
